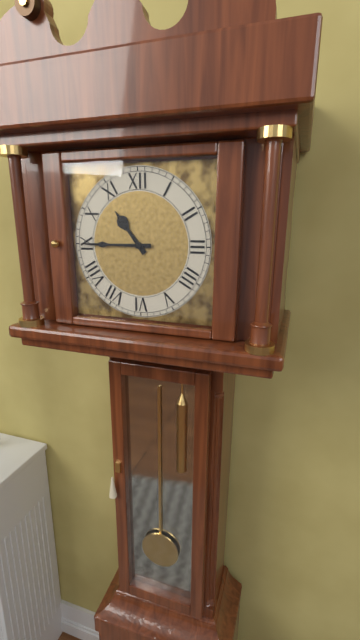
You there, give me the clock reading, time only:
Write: 10:45
